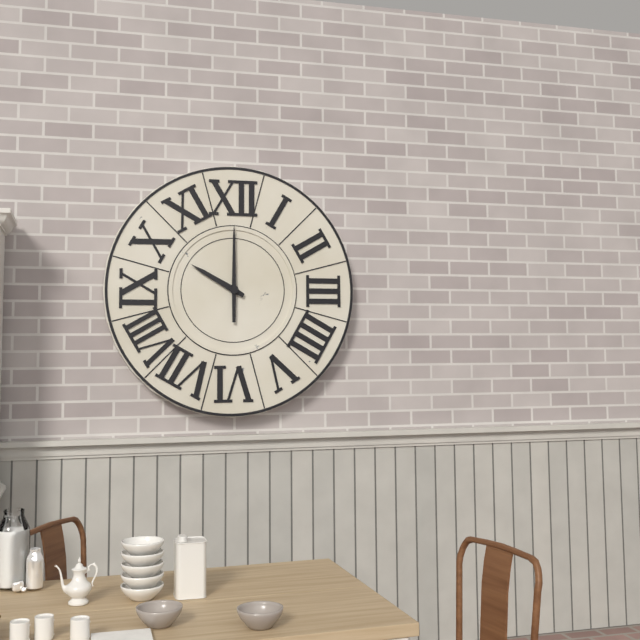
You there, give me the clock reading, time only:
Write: 10:00
